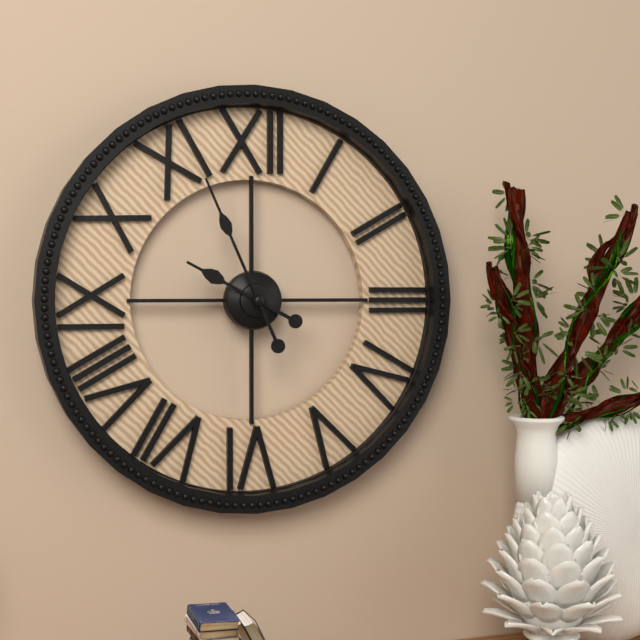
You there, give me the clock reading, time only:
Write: 9:56
